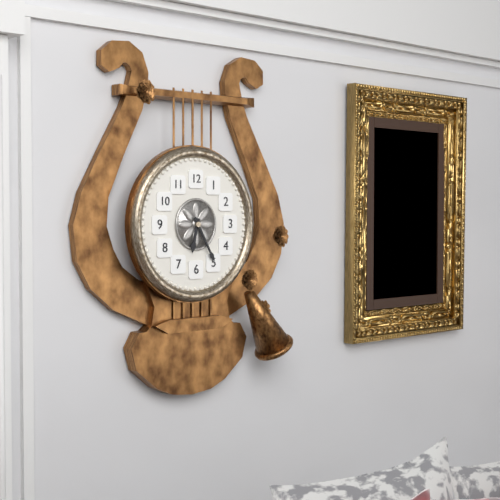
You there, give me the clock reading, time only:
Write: 6:25
